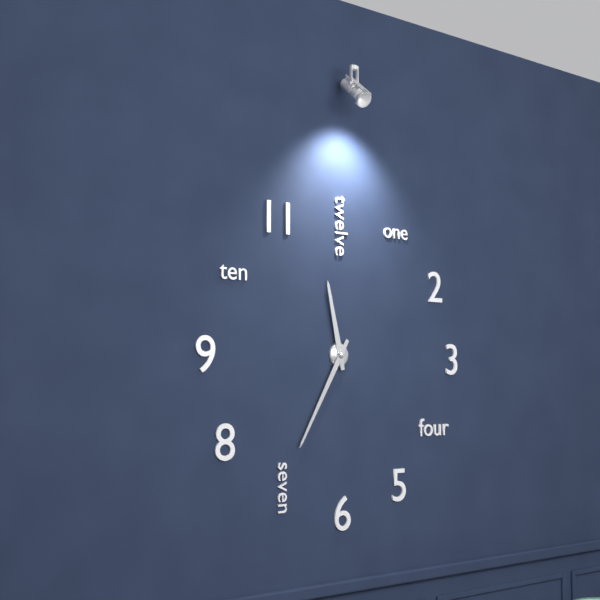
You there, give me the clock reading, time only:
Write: 11:35
